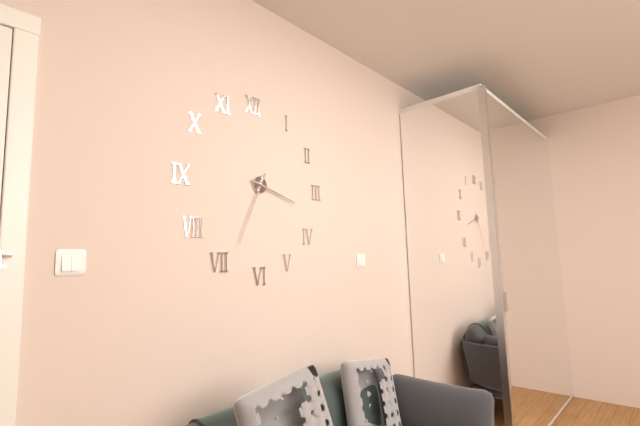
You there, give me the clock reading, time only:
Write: 3:34
